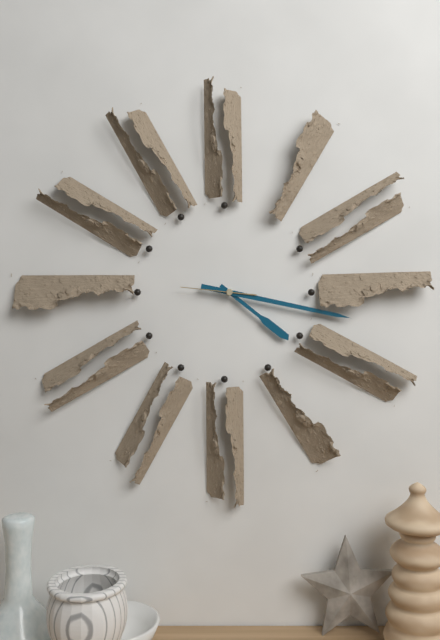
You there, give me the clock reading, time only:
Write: 4:17:46
